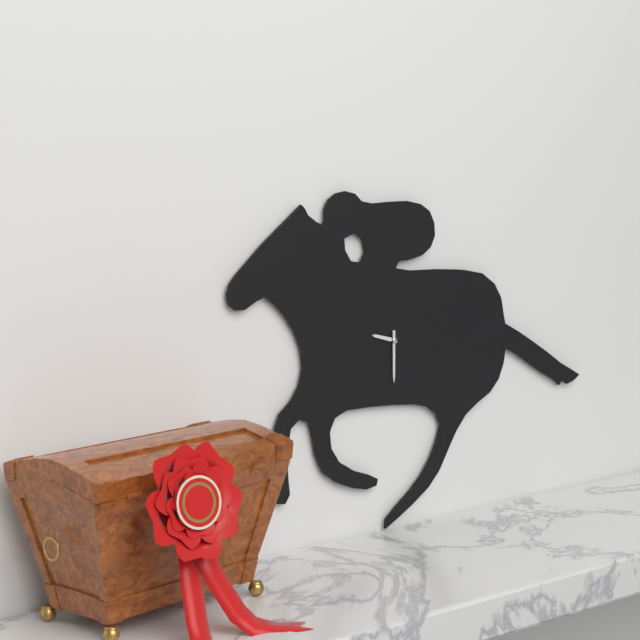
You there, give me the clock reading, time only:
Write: 9:30
